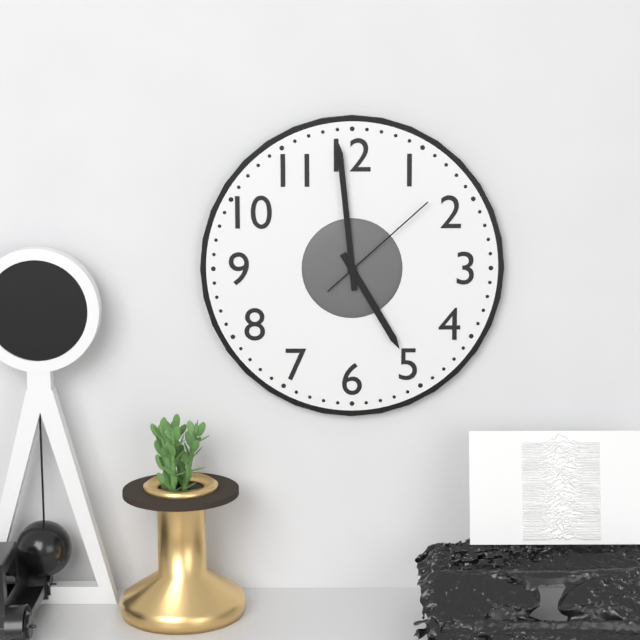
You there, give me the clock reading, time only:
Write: 4:59:08
